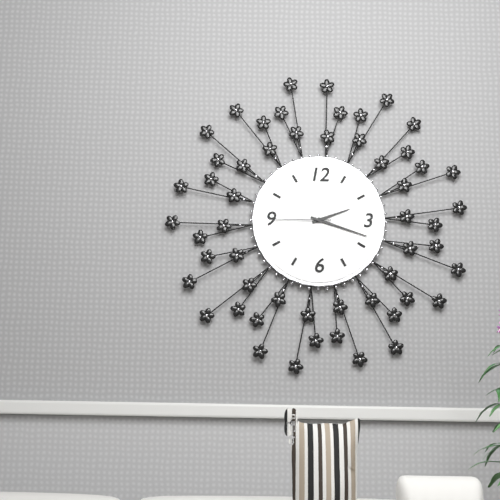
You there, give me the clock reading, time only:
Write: 2:18:45
